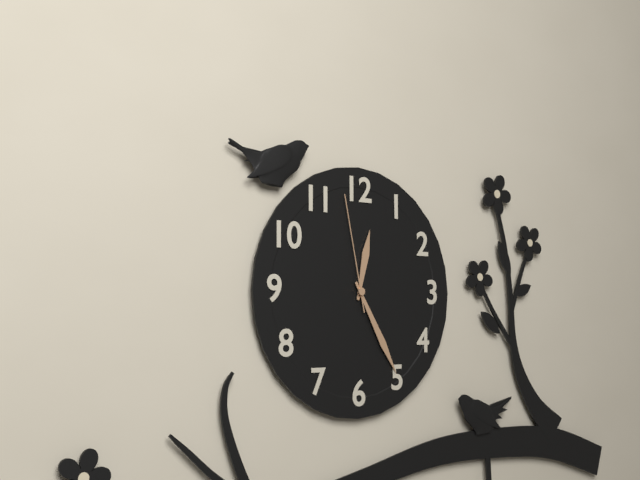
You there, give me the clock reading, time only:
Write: 12:25:58
